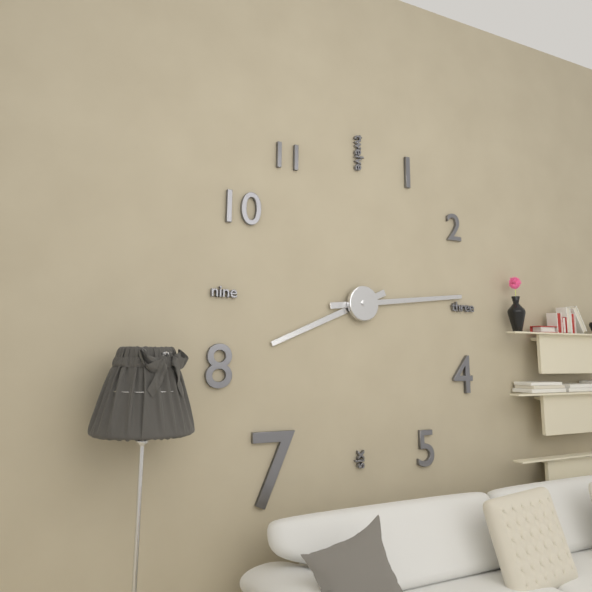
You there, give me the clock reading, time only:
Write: 8:14
